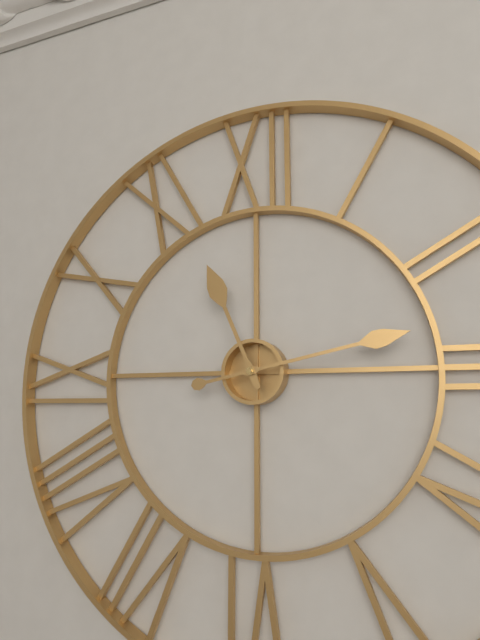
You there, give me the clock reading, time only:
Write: 11:13
